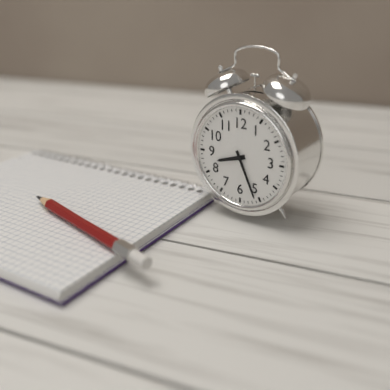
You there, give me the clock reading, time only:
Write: 8:26
